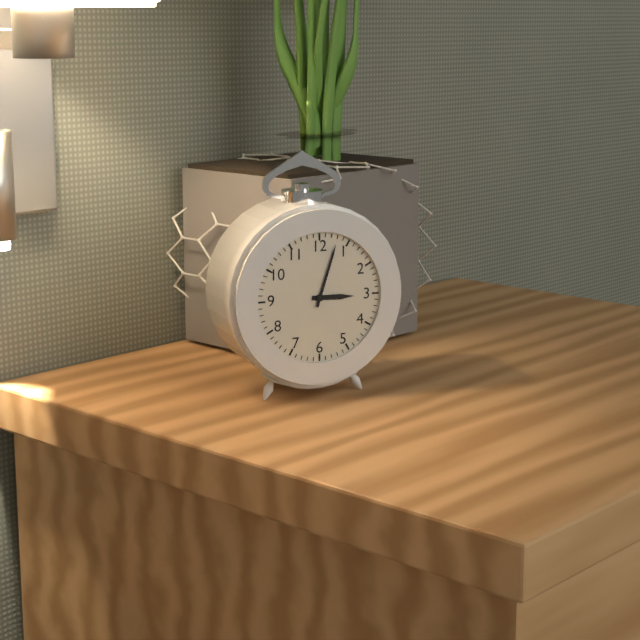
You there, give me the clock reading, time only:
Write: 3:03
